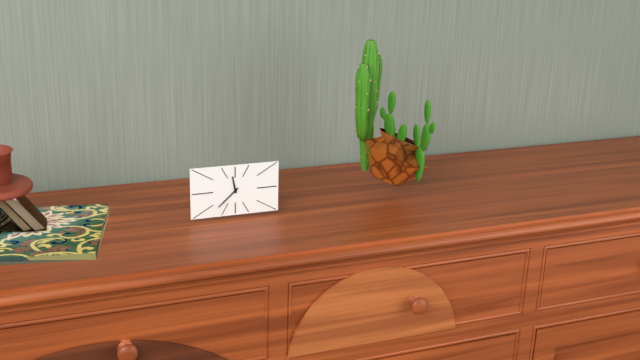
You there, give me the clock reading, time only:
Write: 11:38
